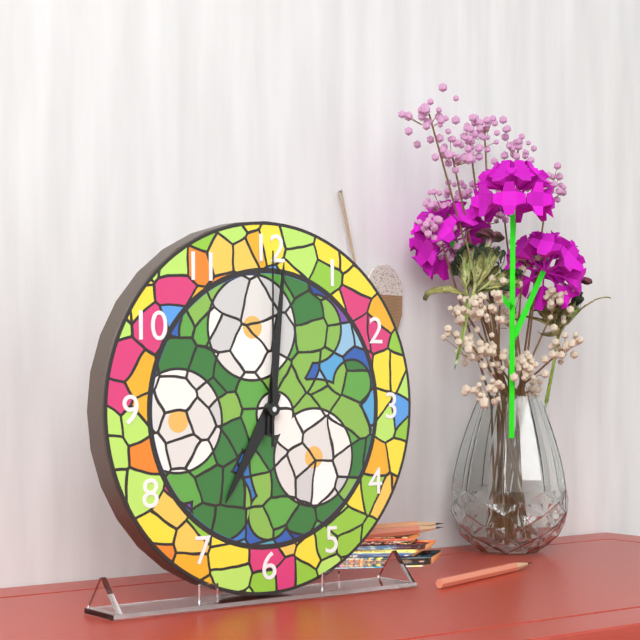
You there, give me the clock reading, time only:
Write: 7:01:00
